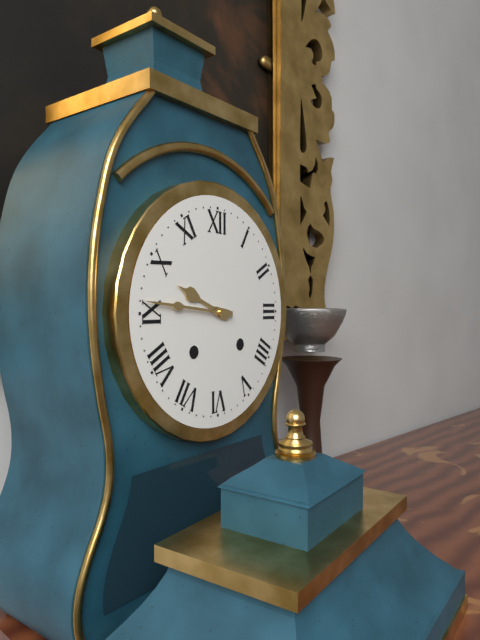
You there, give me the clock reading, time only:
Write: 9:46
